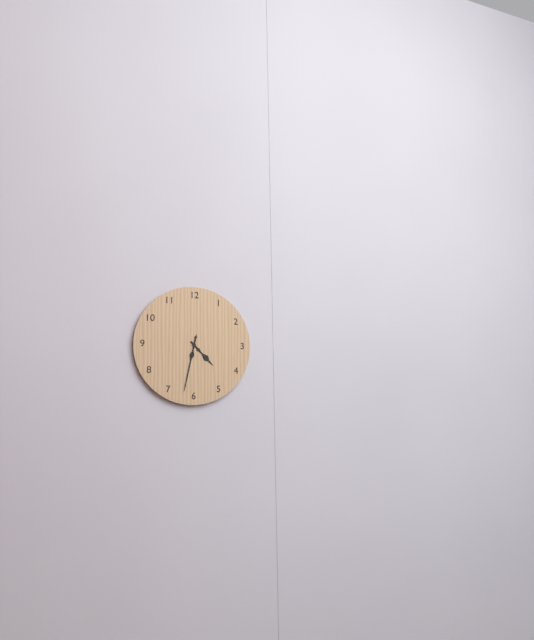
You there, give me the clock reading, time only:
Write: 4:32:32
